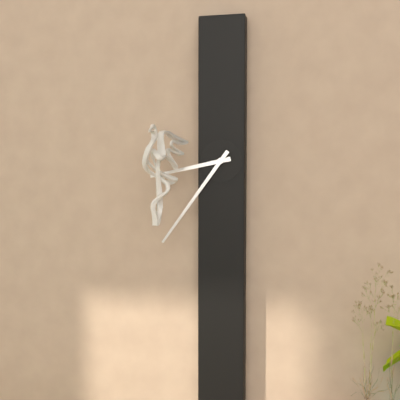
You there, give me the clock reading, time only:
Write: 8:36
